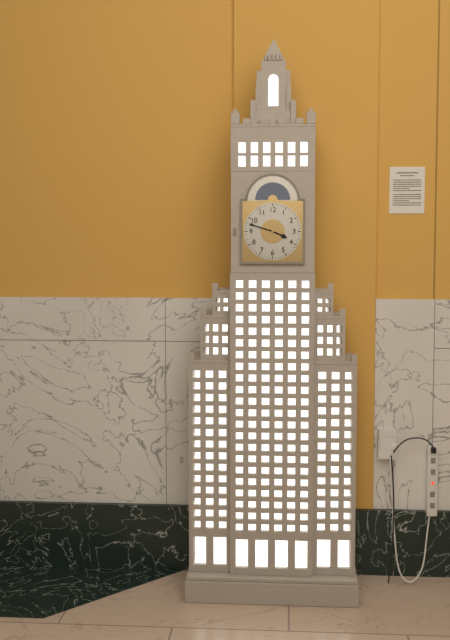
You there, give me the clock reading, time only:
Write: 3:48
